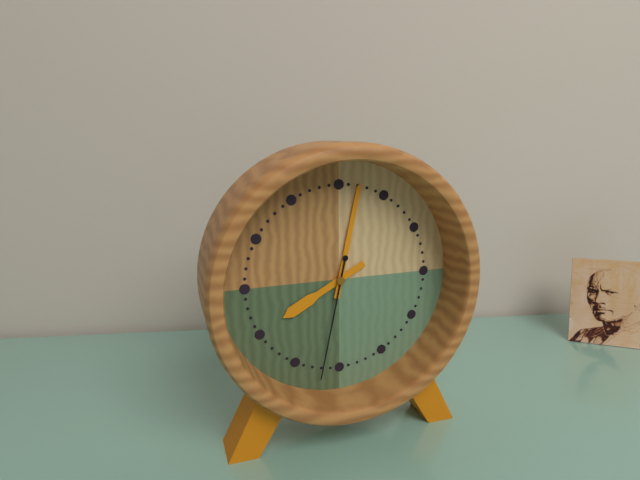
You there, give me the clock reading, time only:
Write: 8:02:32
